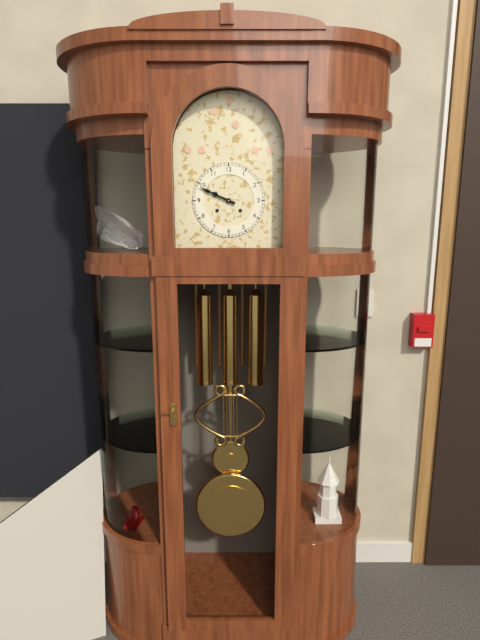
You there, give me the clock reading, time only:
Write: 9:49
